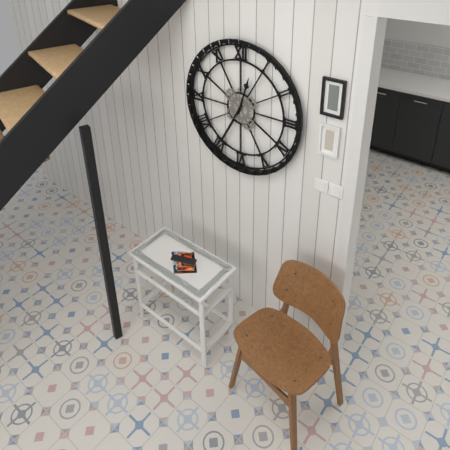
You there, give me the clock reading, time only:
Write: 12:35
